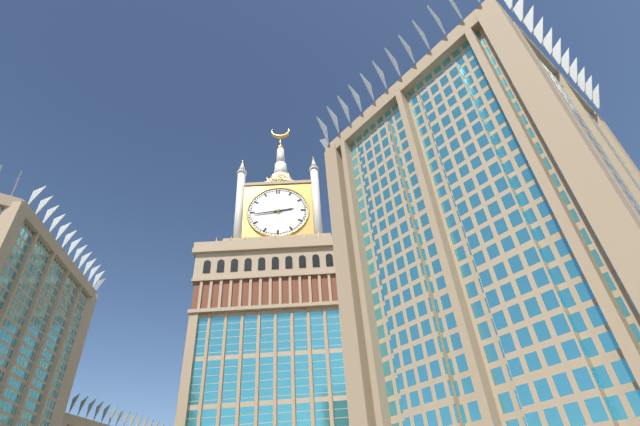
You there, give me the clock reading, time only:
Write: 2:44
